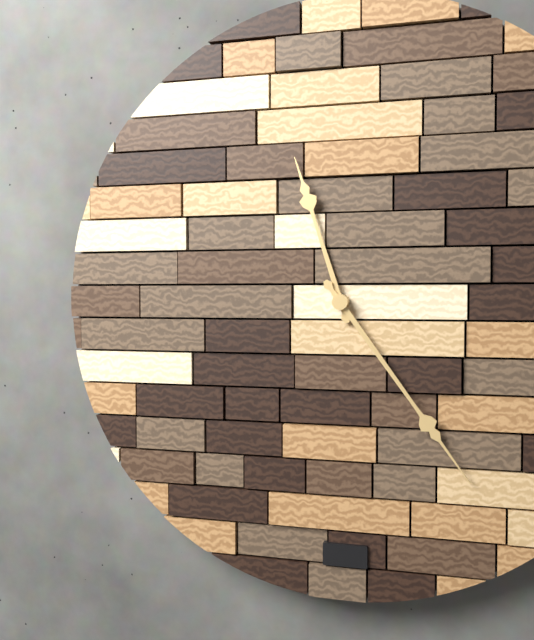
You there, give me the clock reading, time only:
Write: 11:24
